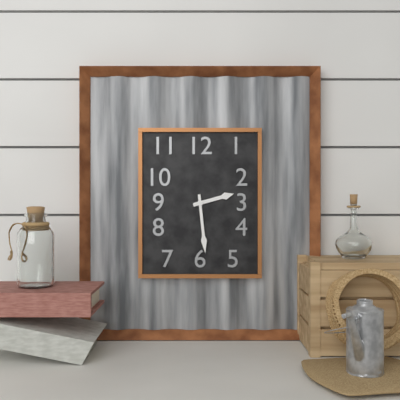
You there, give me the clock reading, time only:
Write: 2:29
